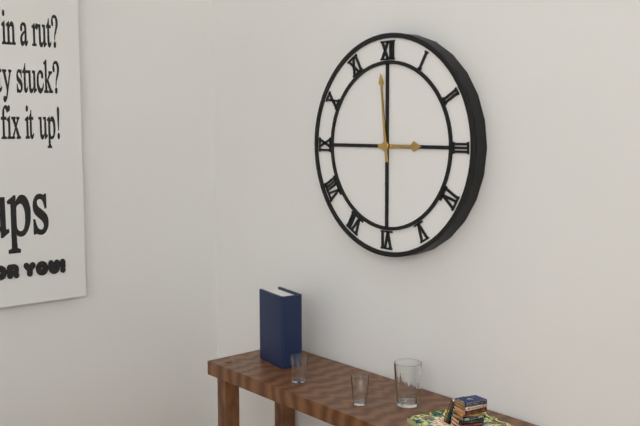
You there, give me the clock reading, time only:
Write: 2:59
